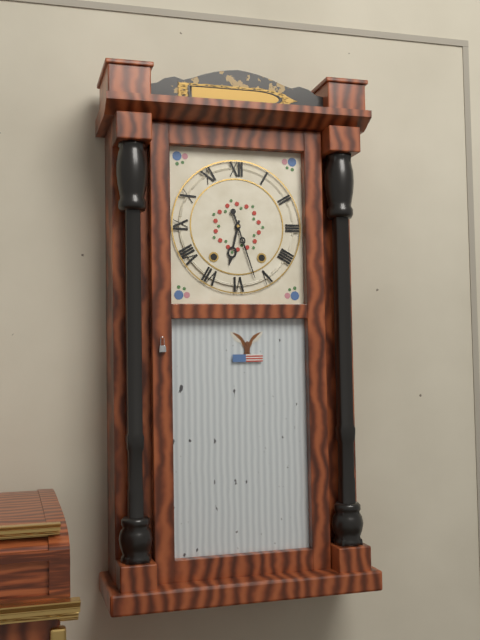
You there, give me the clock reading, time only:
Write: 6:27
